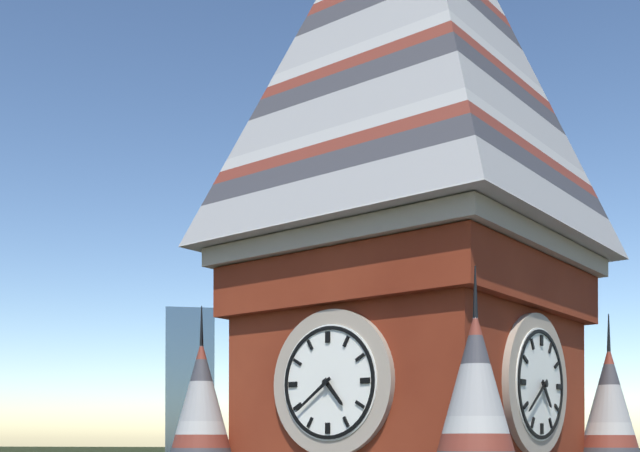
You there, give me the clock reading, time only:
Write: 4:39
